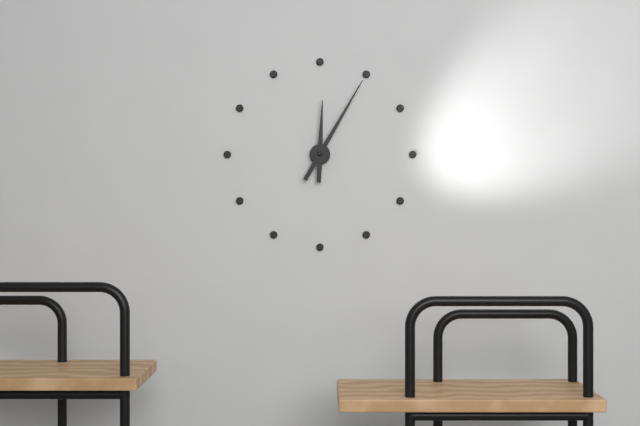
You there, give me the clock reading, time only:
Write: 12:05
